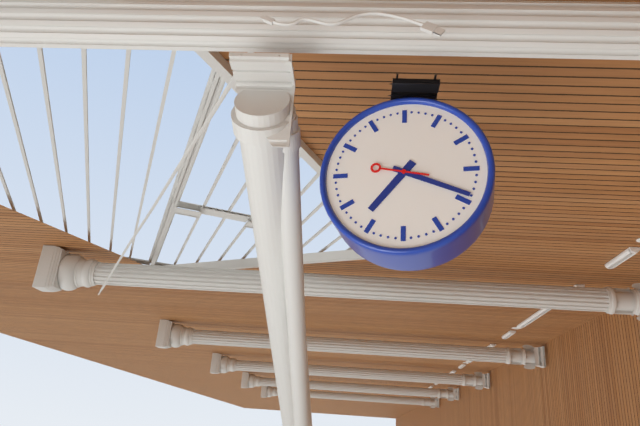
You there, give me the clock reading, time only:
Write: 7:19
